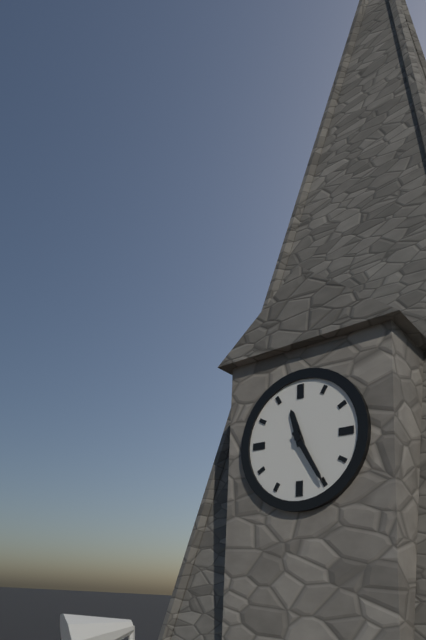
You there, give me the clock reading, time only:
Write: 11:25
